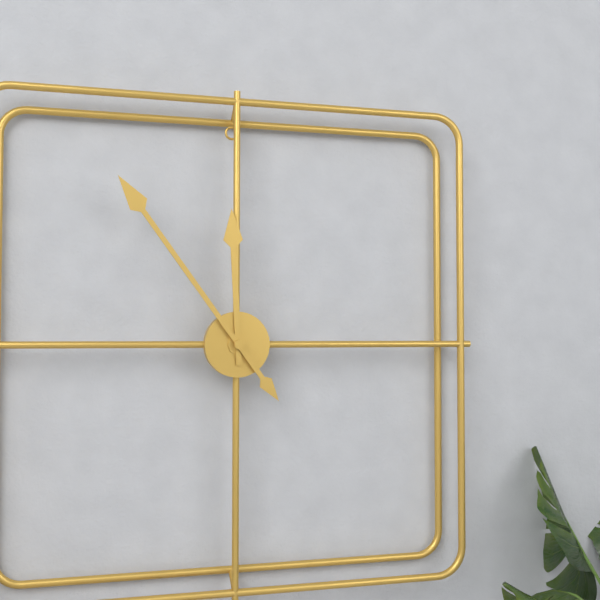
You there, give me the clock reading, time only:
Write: 11:54
